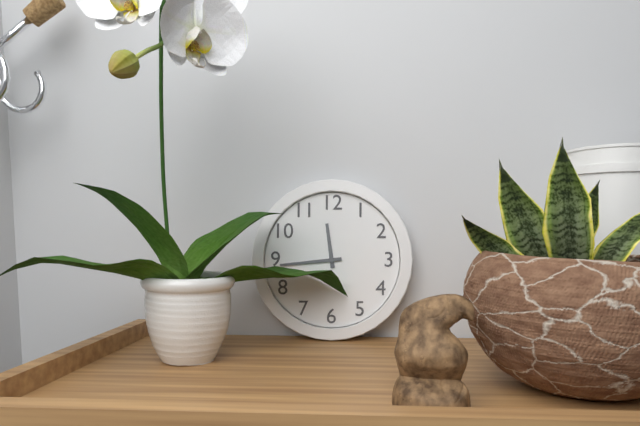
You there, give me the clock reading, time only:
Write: 11:44
